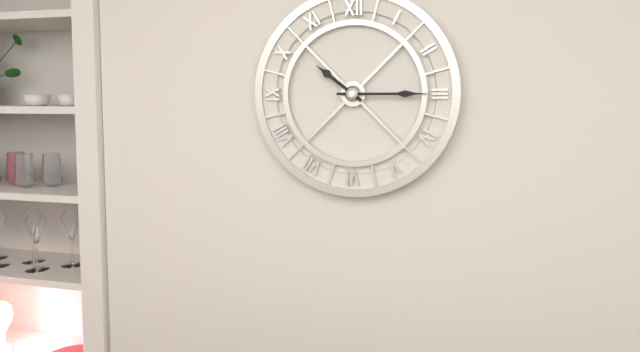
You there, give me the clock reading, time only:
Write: 10:15
